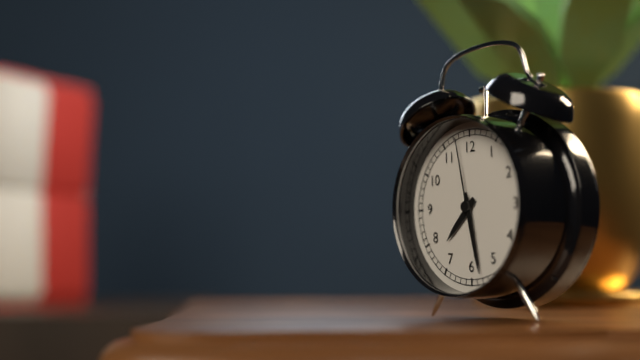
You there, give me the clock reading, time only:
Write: 7:28:58
